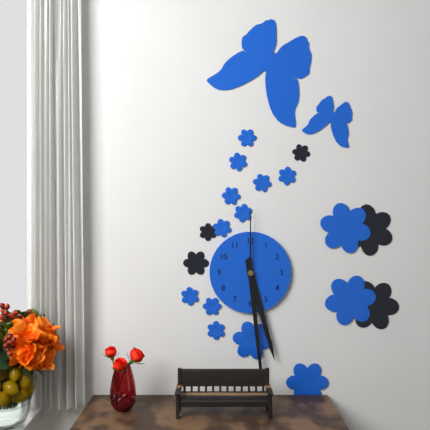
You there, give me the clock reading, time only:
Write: 5:29:00
